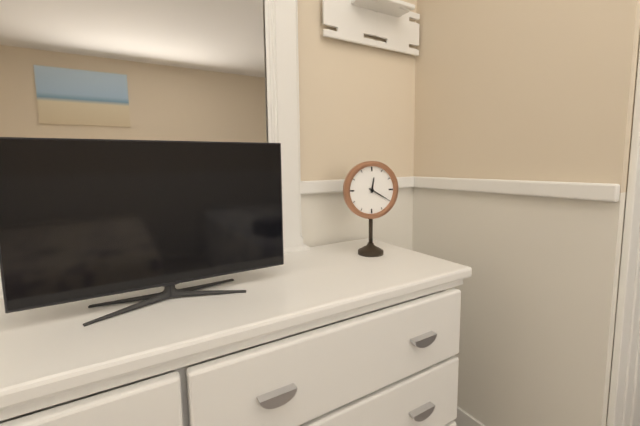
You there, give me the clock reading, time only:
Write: 12:20
